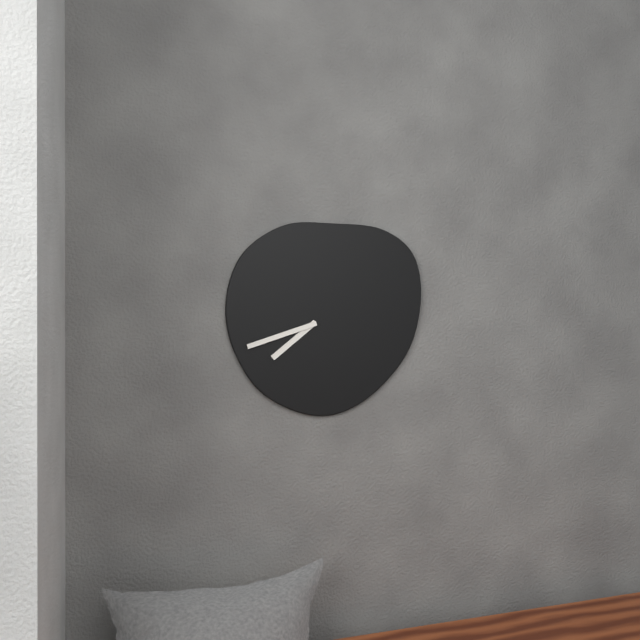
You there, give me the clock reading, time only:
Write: 7:42
